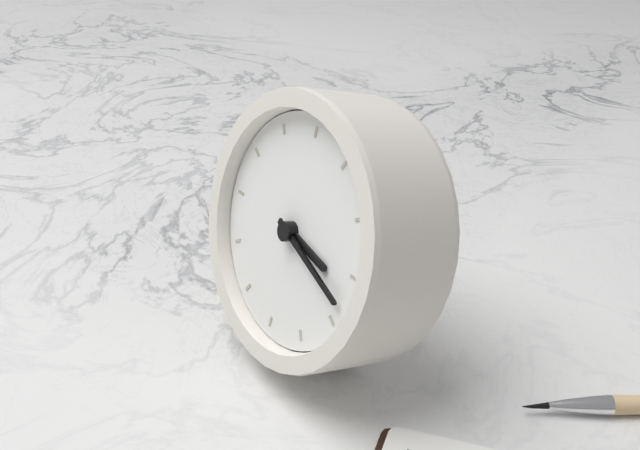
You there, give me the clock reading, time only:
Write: 3:18
